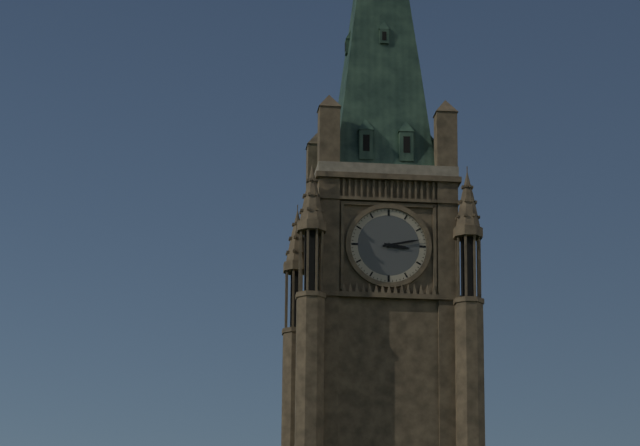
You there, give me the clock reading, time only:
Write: 3:13
